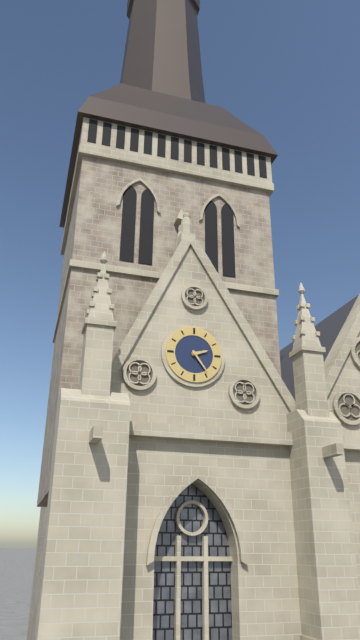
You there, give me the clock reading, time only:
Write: 2:24
